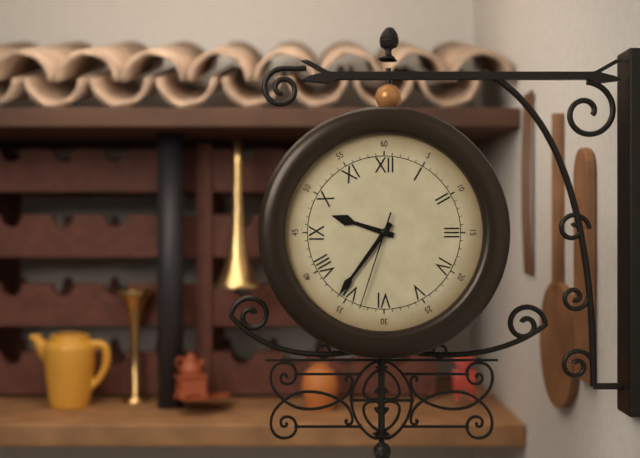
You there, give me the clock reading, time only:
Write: 9:36:33
